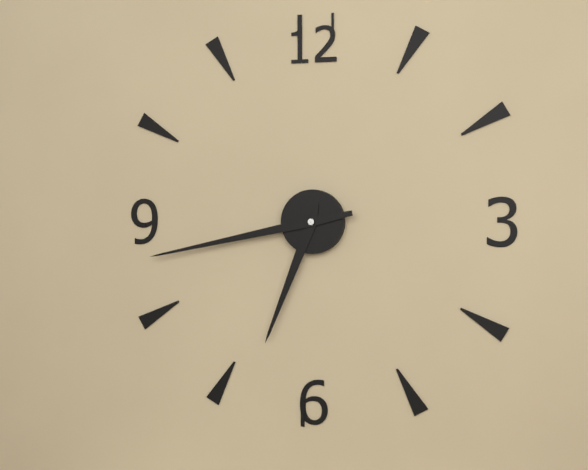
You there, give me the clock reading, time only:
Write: 6:43
